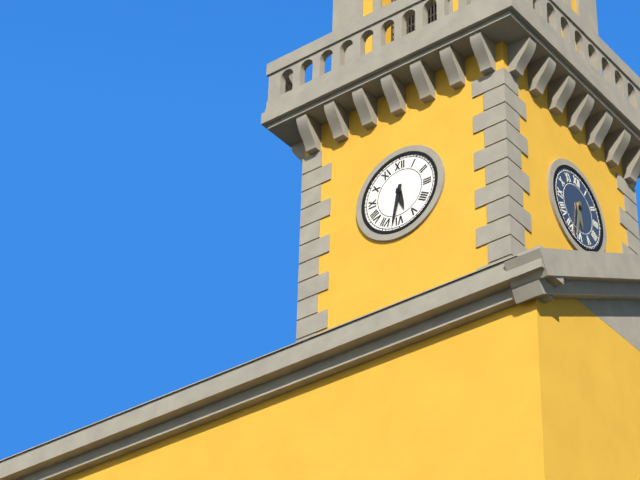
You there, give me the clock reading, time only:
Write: 5:32
